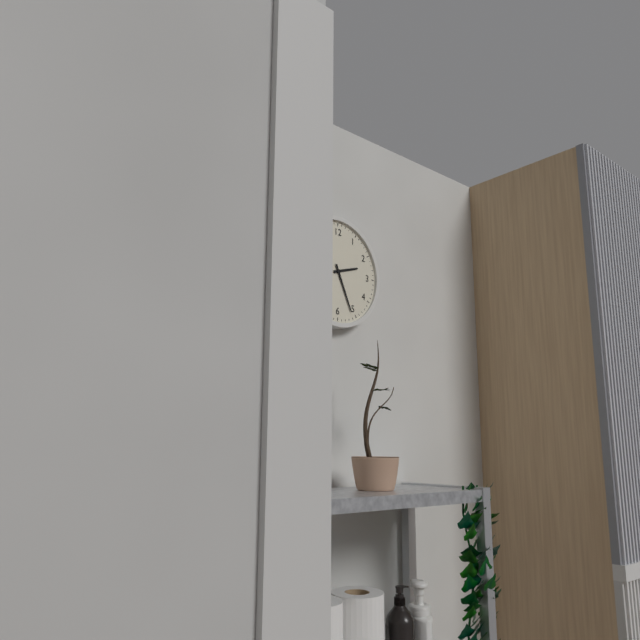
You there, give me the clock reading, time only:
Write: 2:26
